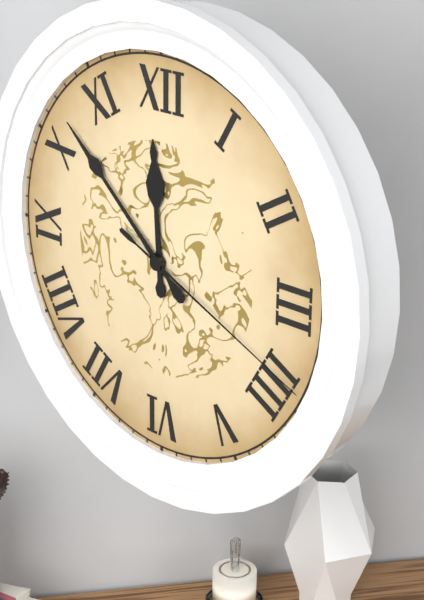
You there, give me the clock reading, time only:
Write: 11:52:19
